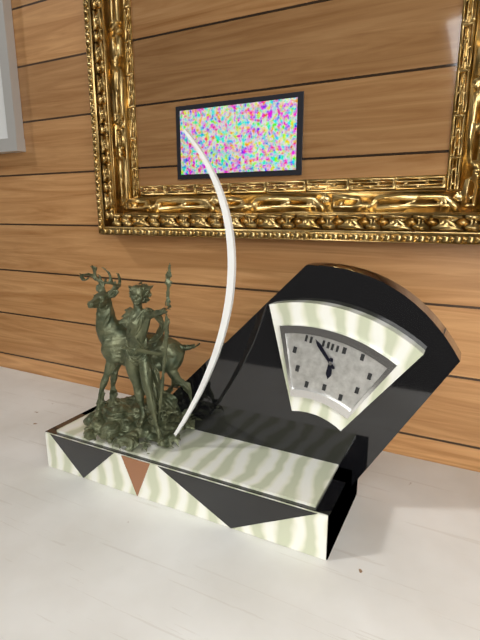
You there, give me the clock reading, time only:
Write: 5:52
